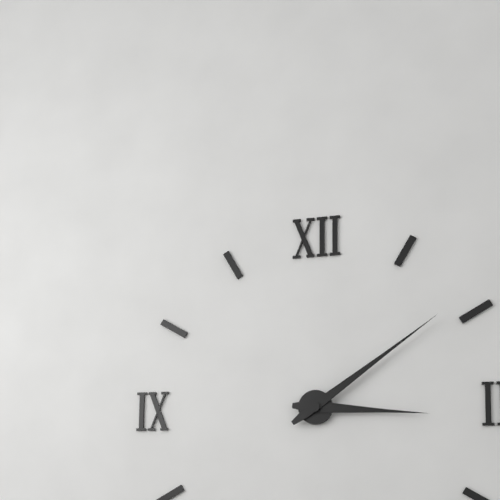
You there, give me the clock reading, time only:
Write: 3:09
